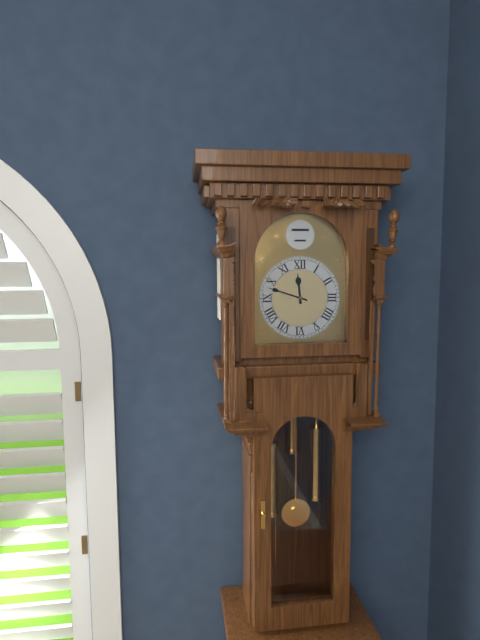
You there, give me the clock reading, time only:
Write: 11:48
